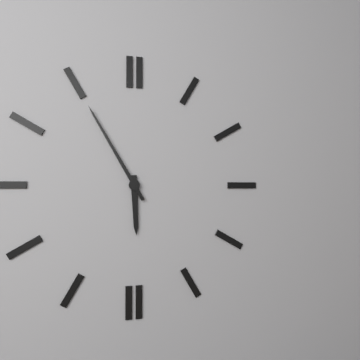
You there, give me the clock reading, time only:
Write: 5:55
